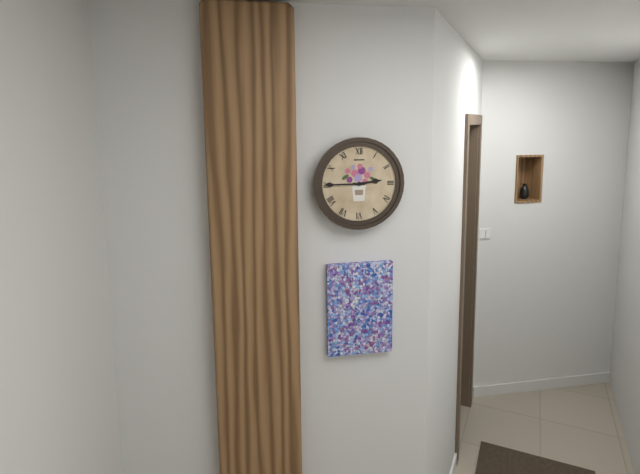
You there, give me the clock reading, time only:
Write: 2:45
